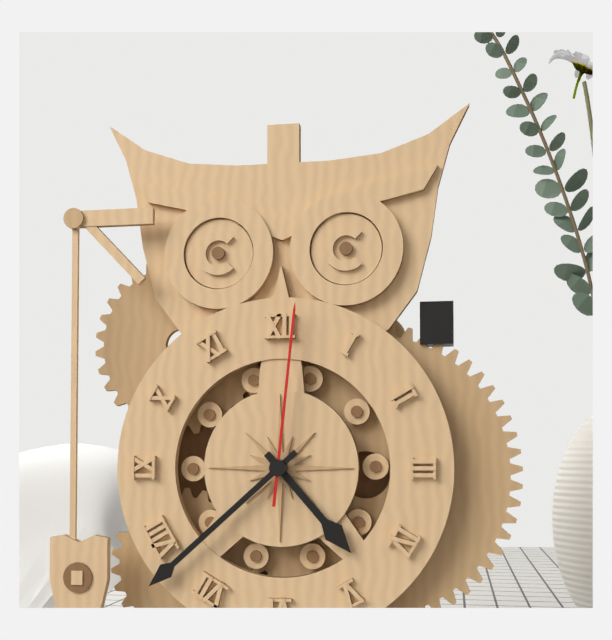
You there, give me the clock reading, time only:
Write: 4:38:01
